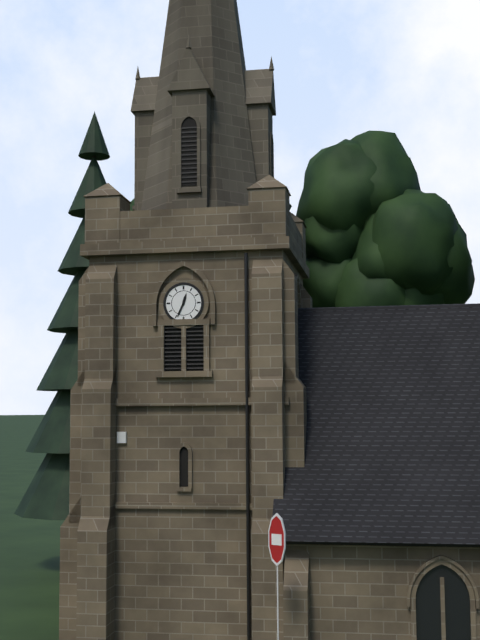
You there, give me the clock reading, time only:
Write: 12:34
